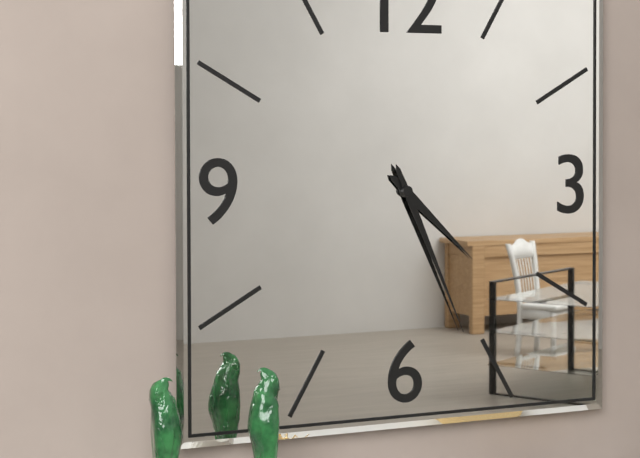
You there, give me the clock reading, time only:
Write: 4:26
